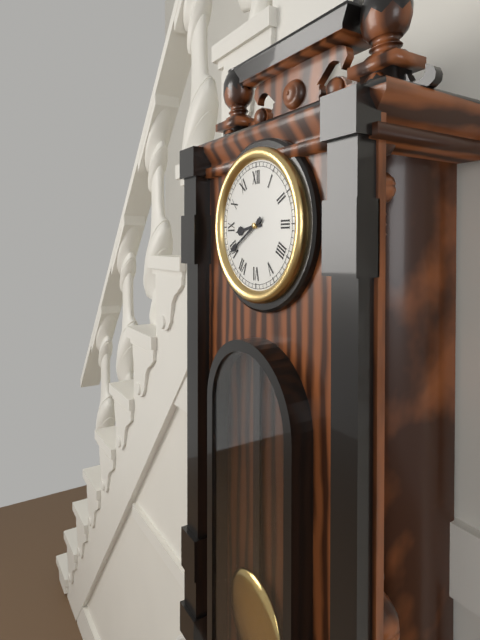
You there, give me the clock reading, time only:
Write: 8:40
